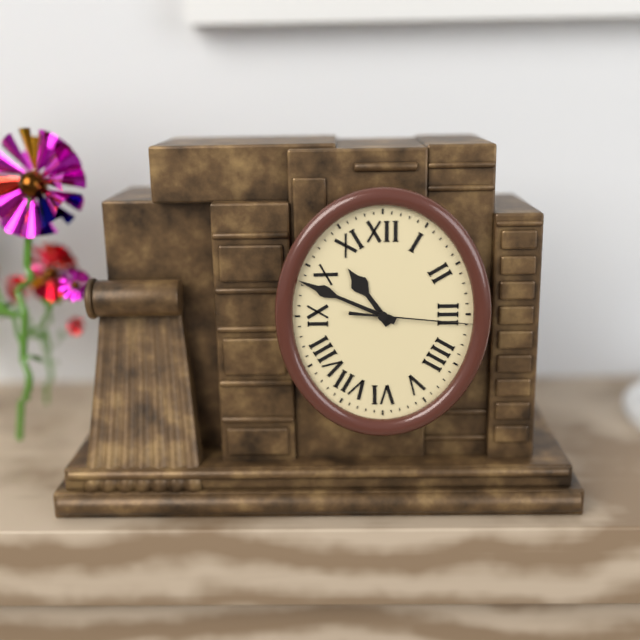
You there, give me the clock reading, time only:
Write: 10:49:16
